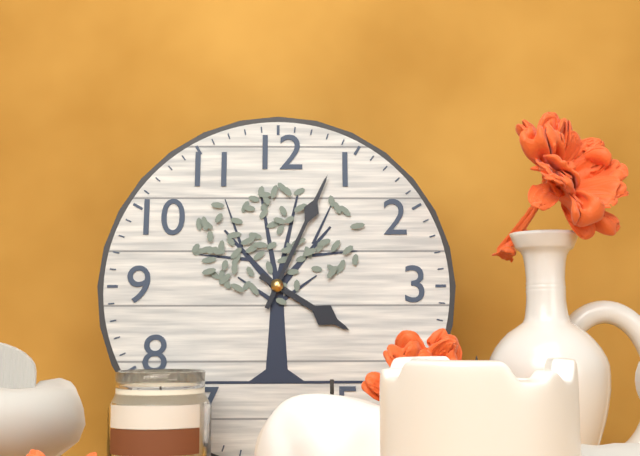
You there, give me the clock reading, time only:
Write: 4:04
